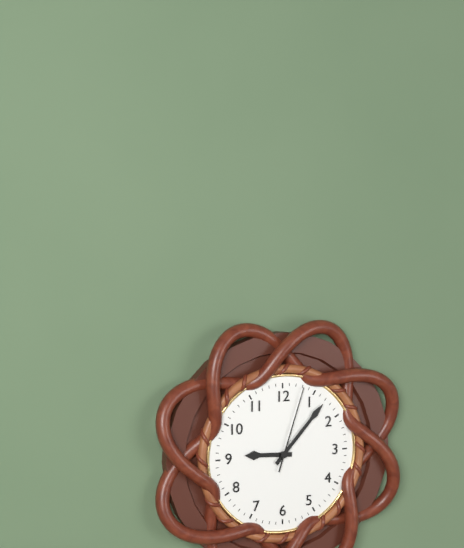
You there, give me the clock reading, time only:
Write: 9:07:03
